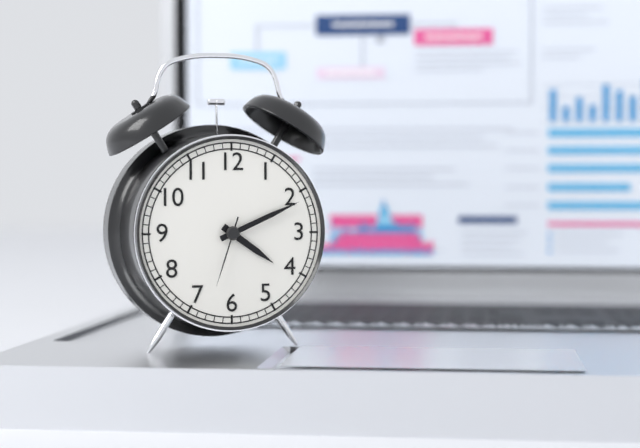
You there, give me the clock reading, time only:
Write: 4:11:33
